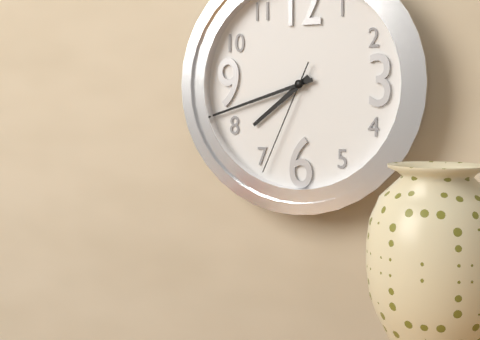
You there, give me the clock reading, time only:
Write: 7:42:34
